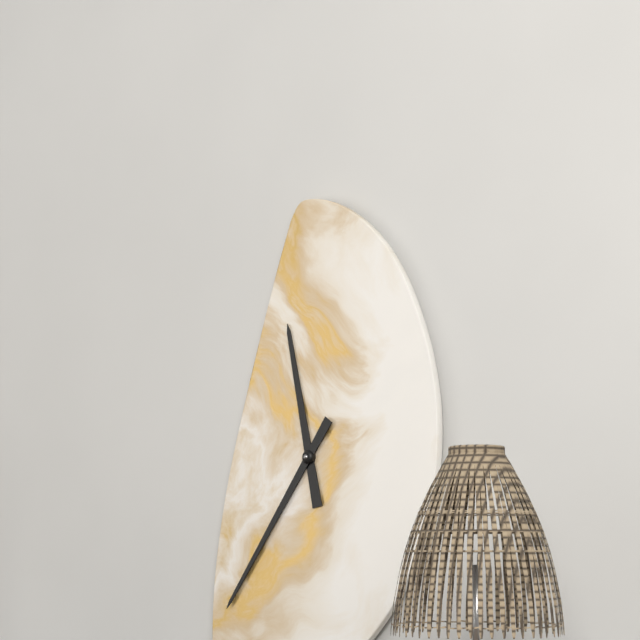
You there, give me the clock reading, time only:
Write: 11:36
